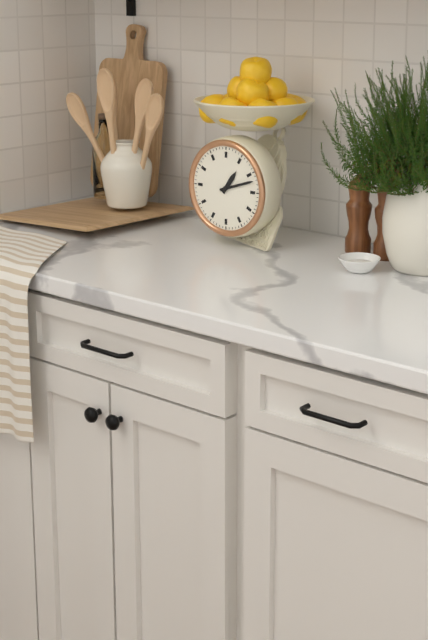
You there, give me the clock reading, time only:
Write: 1:12
